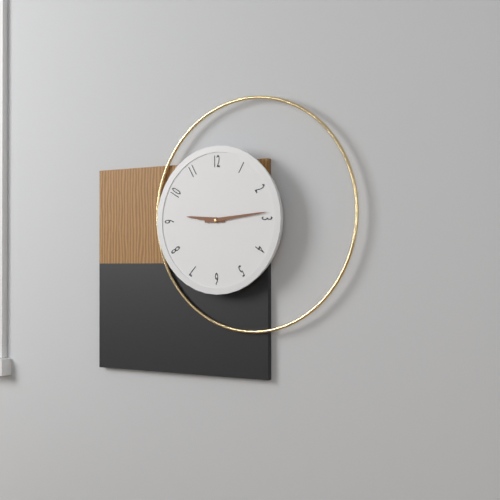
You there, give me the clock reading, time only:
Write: 9:14
